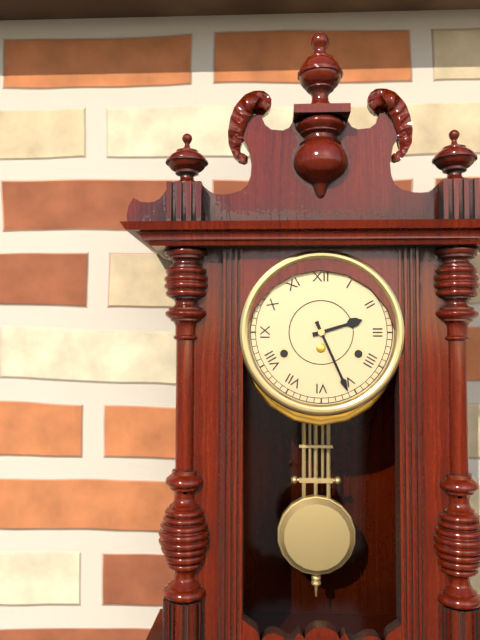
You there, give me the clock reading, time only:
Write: 2:26
